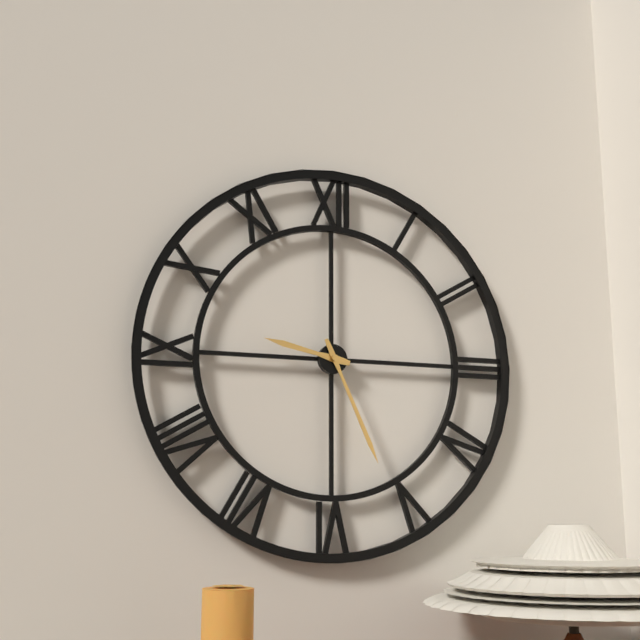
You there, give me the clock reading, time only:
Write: 9:26
